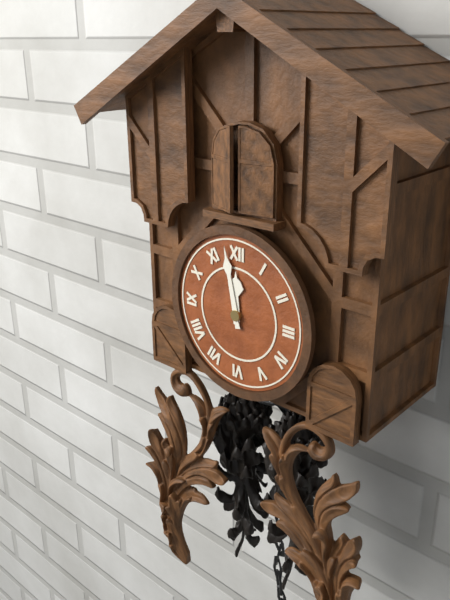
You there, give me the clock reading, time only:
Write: 11:58
